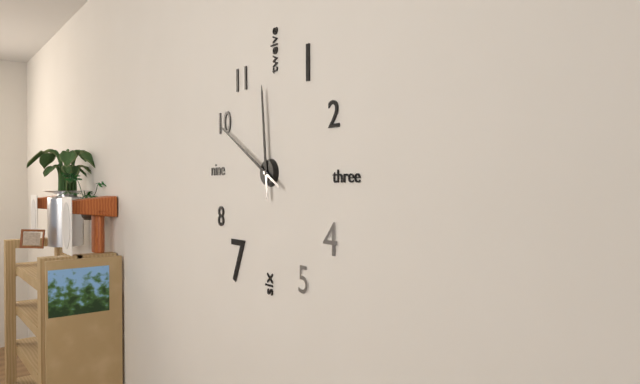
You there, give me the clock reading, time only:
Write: 11:50
